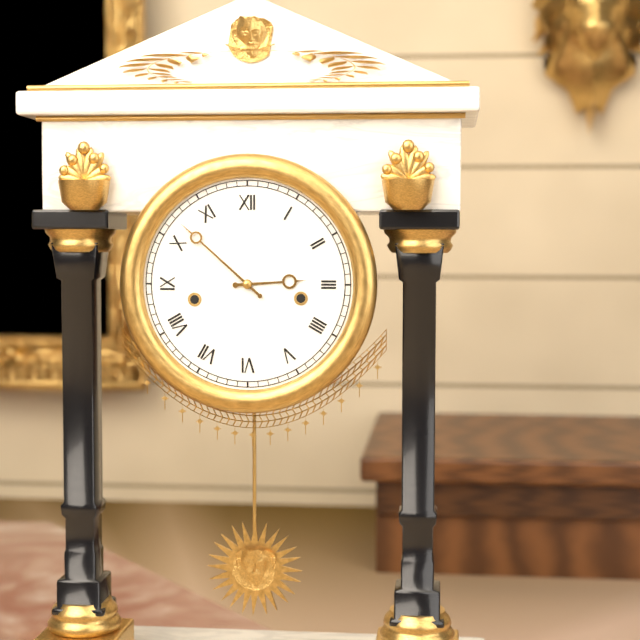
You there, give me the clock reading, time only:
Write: 2:52
